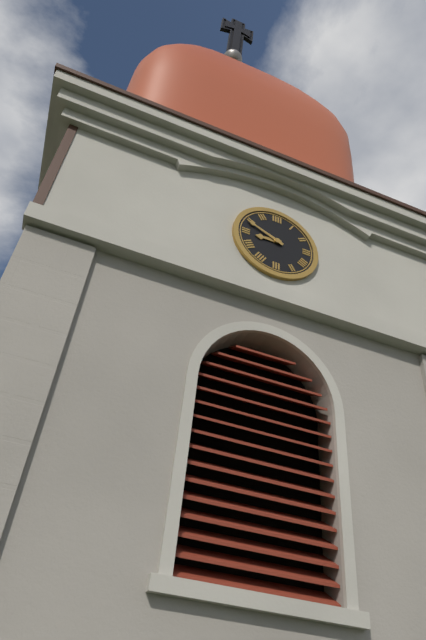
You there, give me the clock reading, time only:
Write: 8:49
